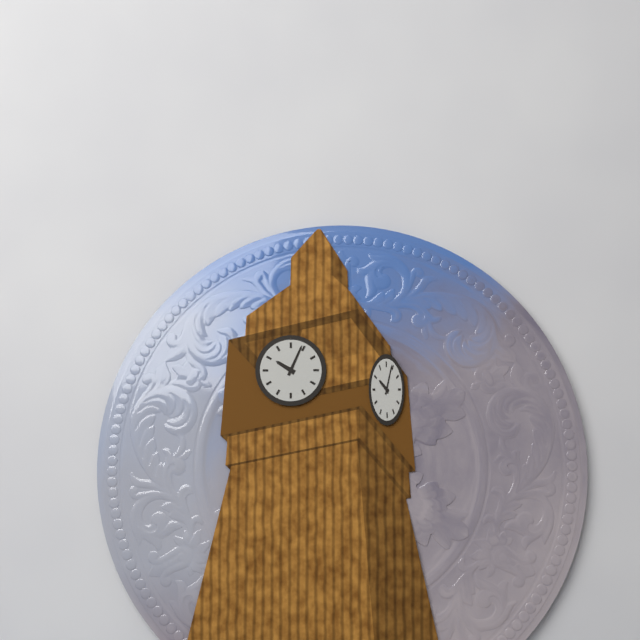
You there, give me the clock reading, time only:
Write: 10:04
